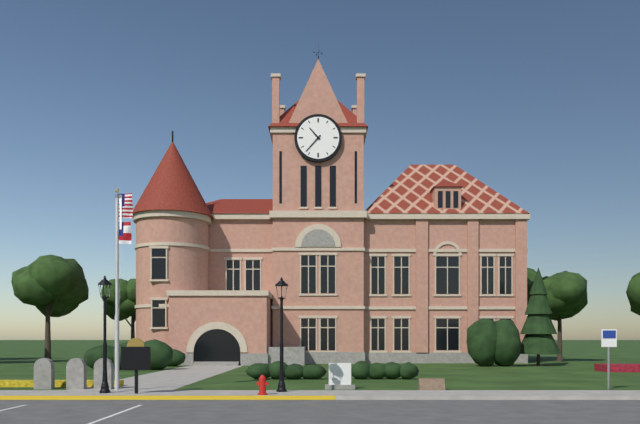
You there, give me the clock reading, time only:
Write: 10:37
